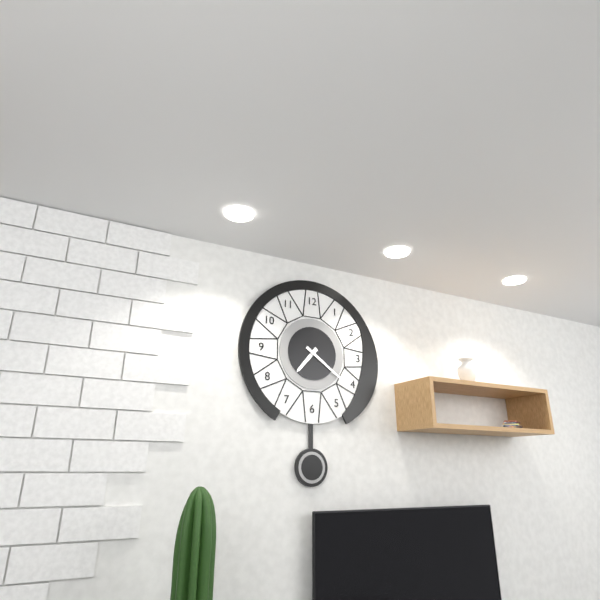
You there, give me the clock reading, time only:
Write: 7:21
